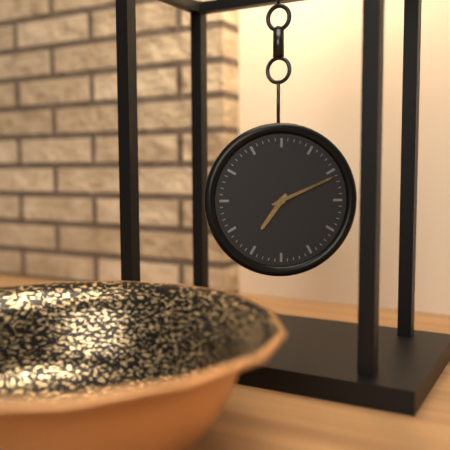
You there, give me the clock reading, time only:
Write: 7:11
